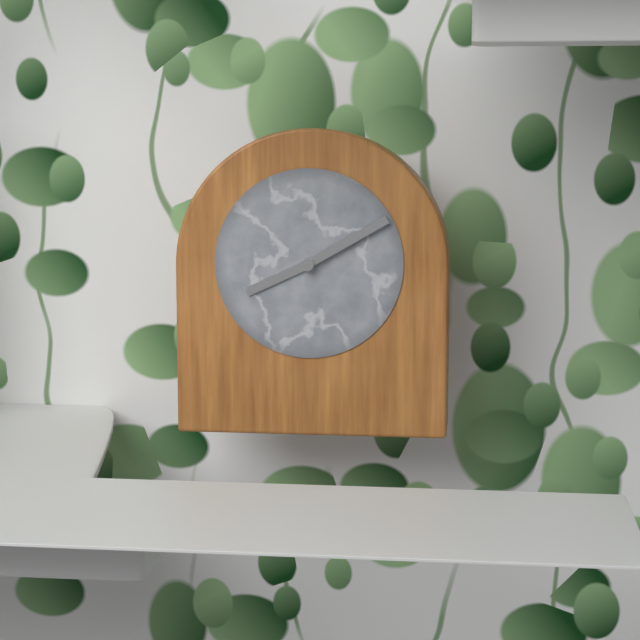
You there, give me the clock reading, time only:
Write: 8:10
